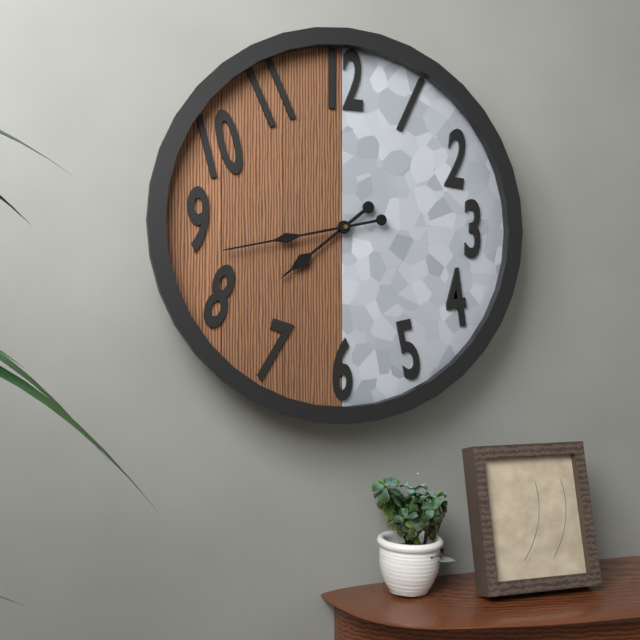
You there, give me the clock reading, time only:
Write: 7:43
